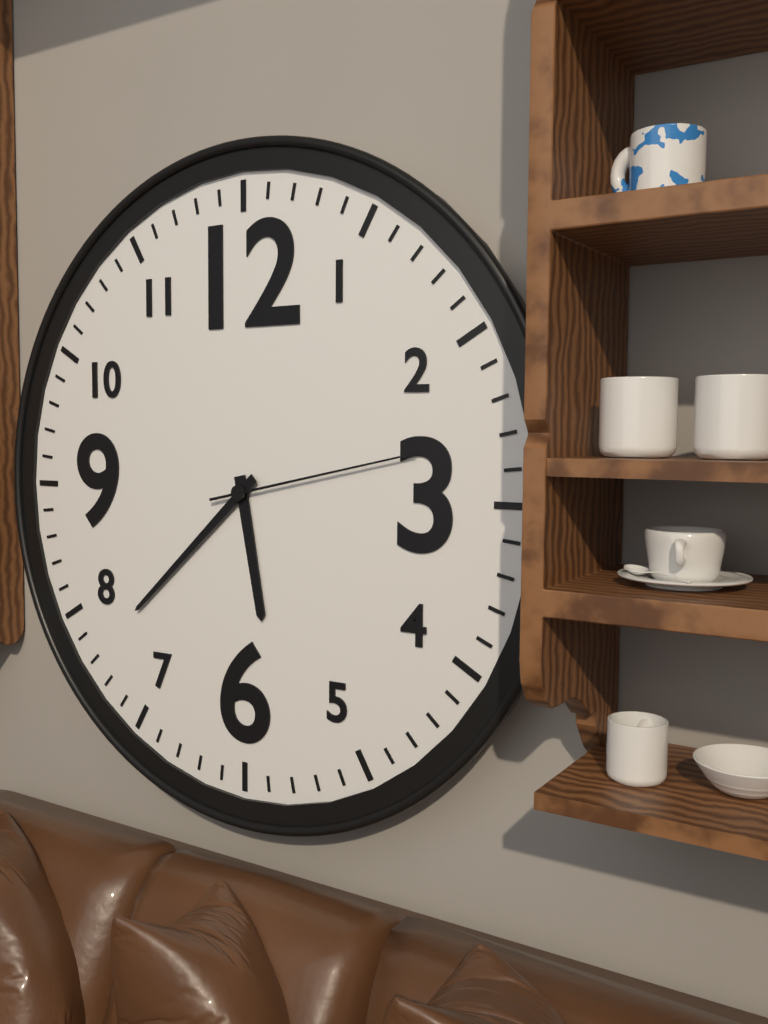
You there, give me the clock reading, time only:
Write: 5:38:13
